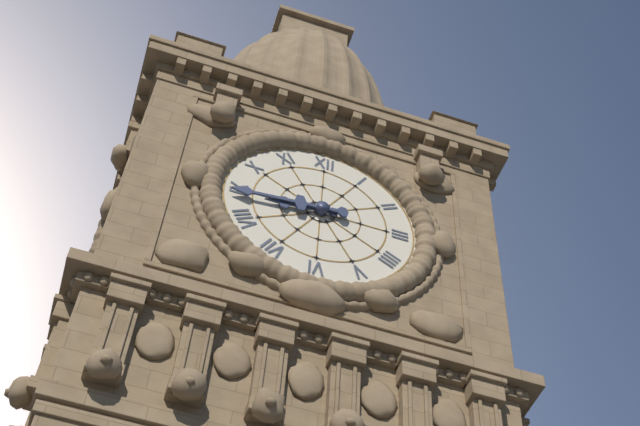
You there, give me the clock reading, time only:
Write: 8:44
